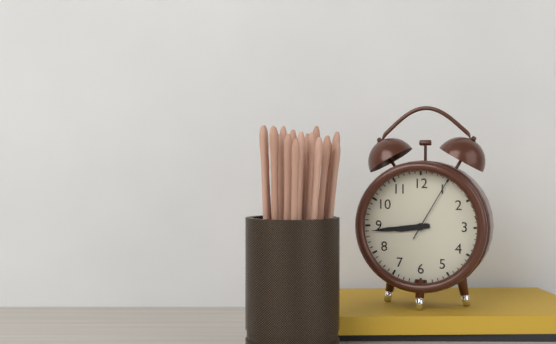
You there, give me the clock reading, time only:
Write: 8:44:05
